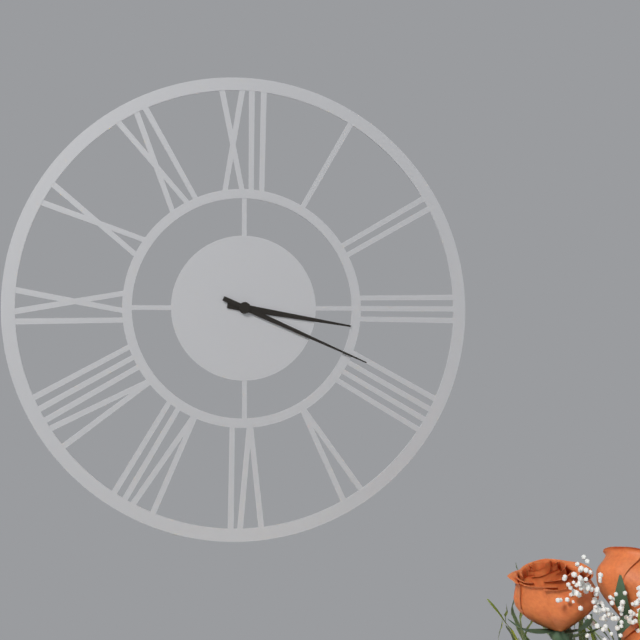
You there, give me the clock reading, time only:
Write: 3:19
